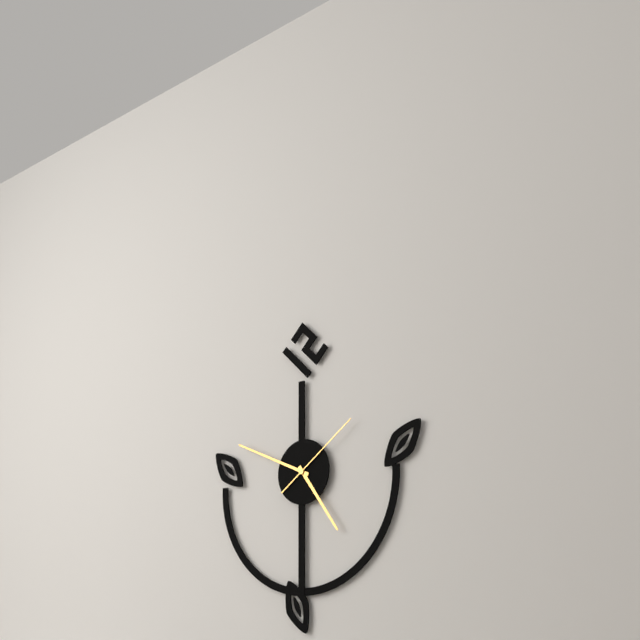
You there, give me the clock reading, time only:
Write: 4:49:09
